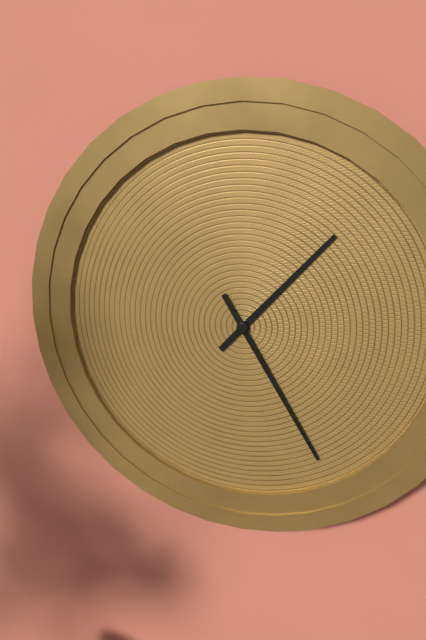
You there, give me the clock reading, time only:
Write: 1:25
